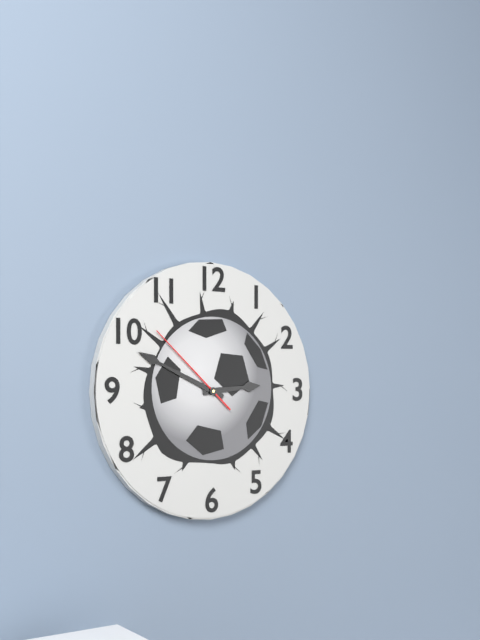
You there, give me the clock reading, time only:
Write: 2:49:52
